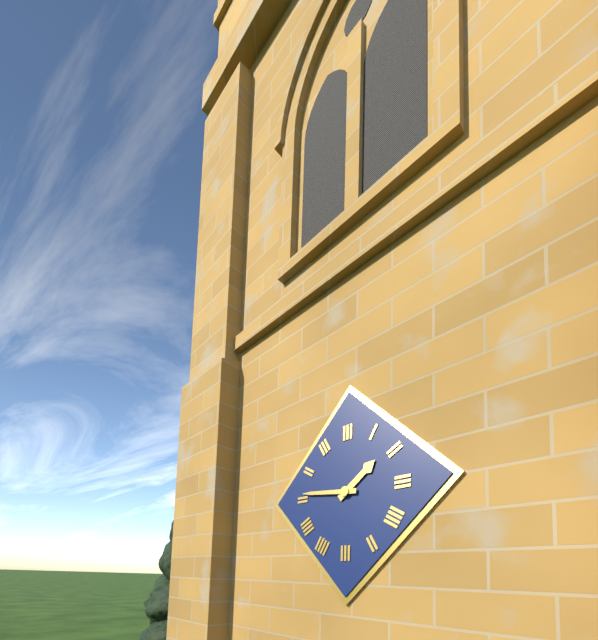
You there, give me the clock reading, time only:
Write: 1:46
